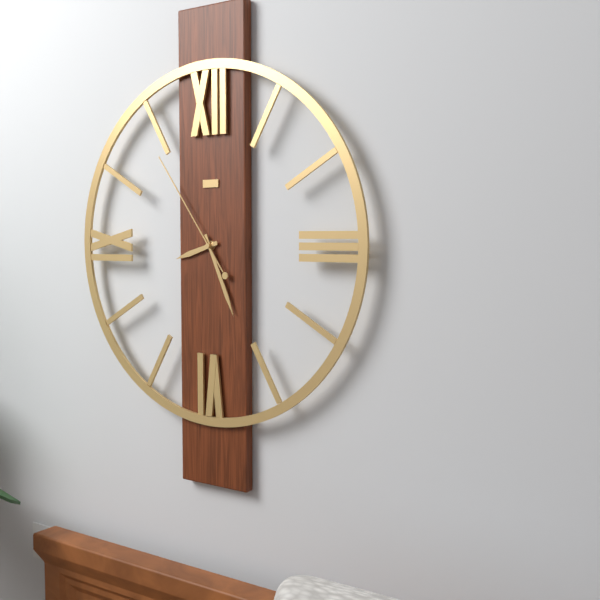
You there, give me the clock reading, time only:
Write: 8:26:54
